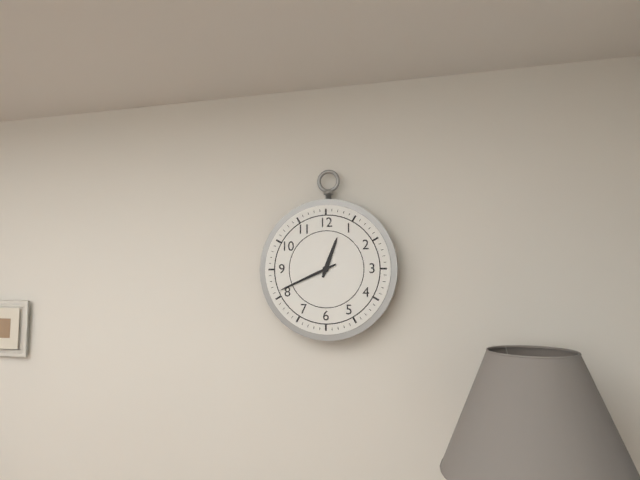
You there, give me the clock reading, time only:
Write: 12:41
